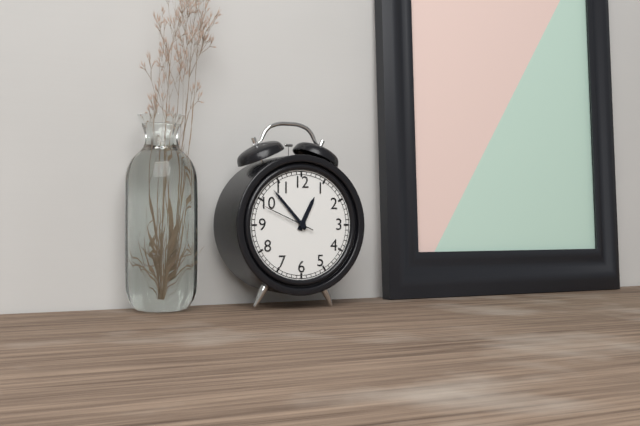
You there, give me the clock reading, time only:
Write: 12:53:49
